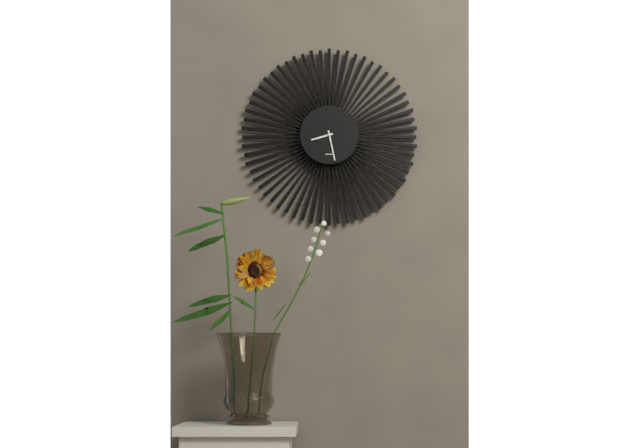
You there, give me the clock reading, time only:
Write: 8:28
